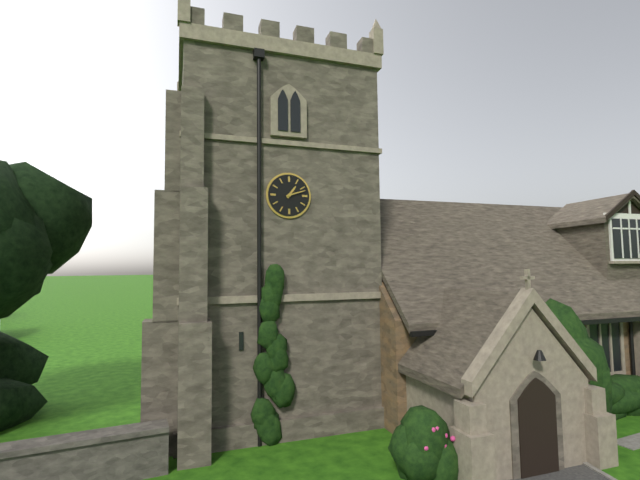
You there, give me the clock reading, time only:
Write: 1:12
